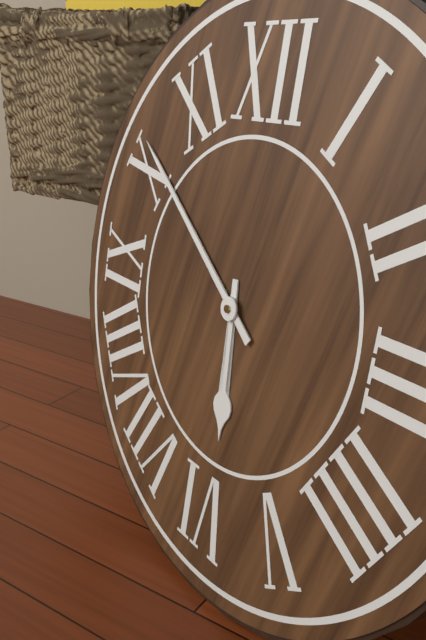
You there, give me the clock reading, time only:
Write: 5:51
